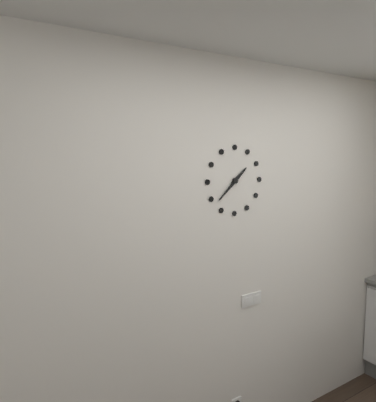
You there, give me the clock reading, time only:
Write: 1:38
